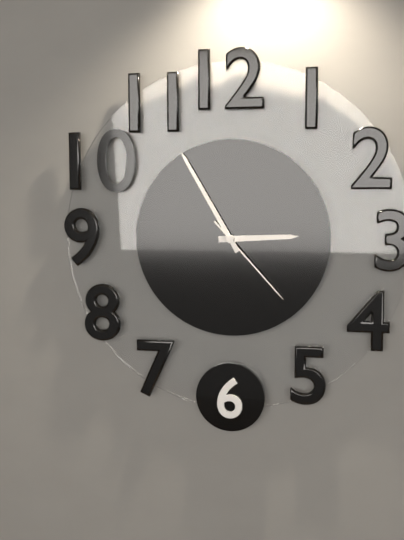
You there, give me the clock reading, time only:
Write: 2:55:23
